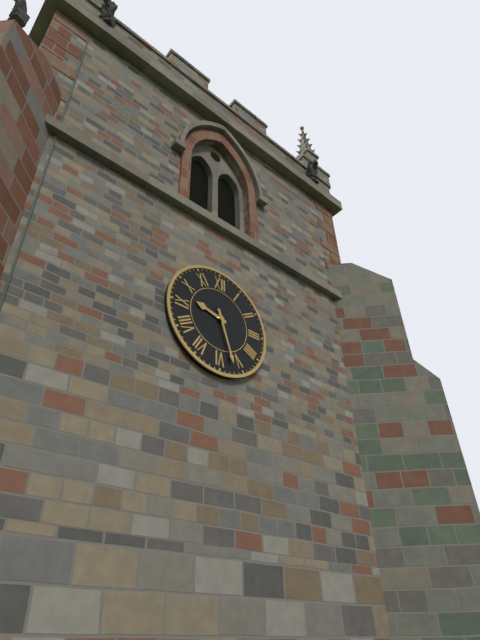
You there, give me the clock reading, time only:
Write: 9:27
